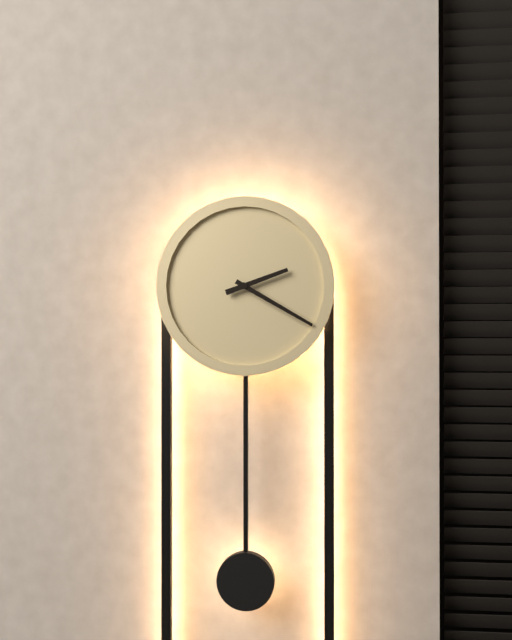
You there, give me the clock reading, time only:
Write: 2:20
